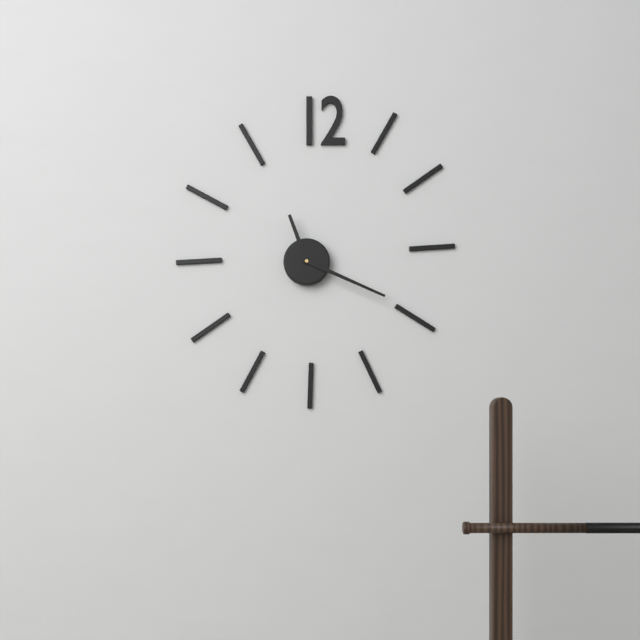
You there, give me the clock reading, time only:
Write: 11:19
